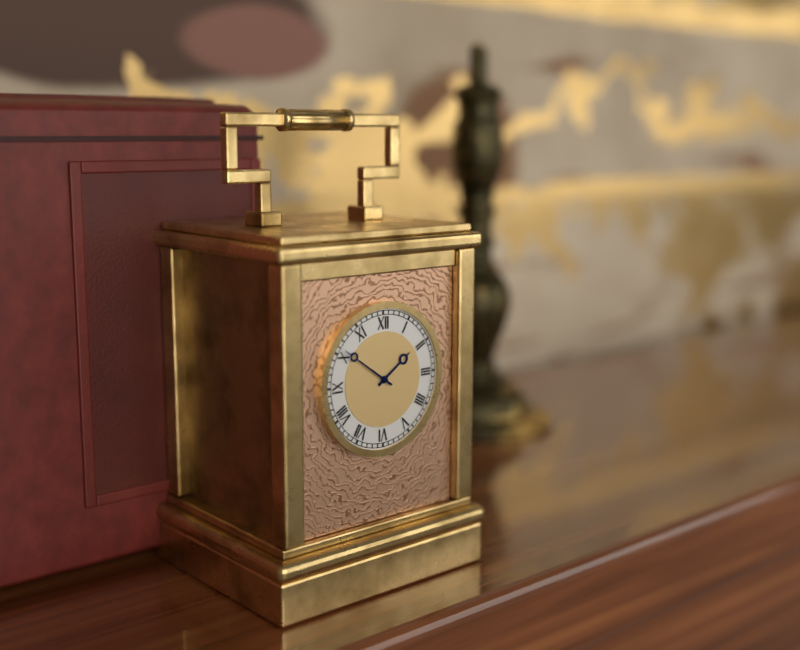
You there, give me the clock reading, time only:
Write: 1:51
